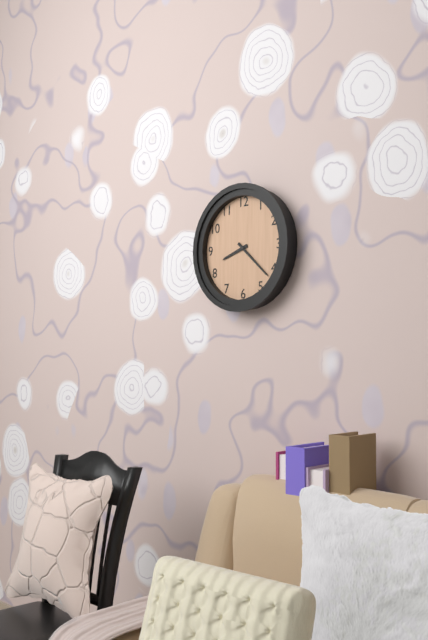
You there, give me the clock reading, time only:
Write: 8:22
